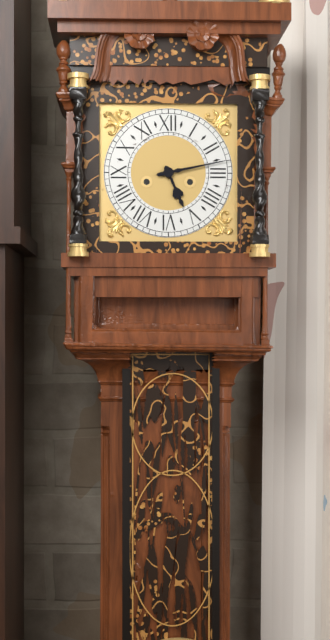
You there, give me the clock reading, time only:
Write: 5:13
